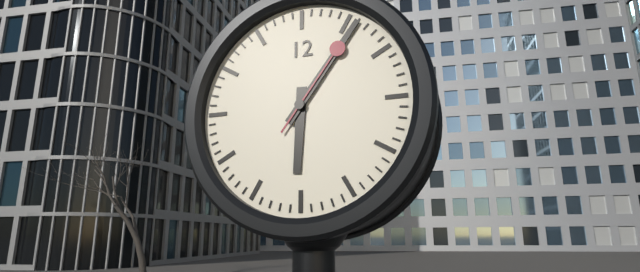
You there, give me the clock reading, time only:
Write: 6:06:06
